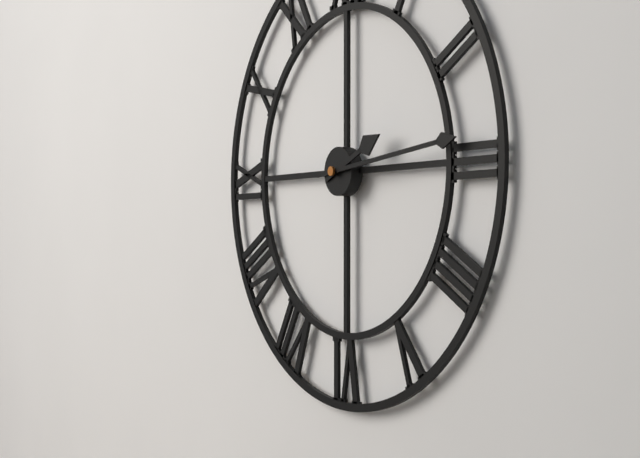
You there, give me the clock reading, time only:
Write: 2:14
